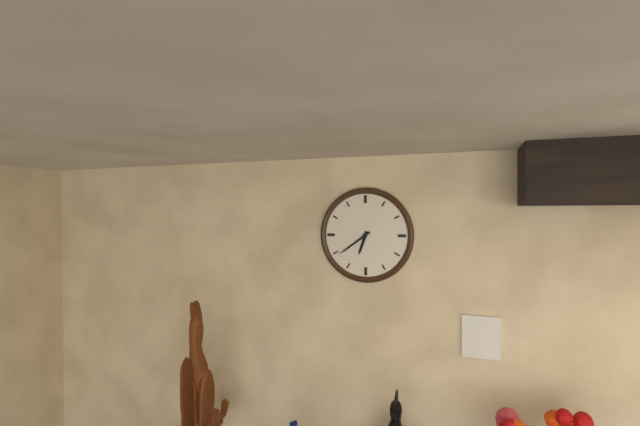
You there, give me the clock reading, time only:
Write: 6:39
